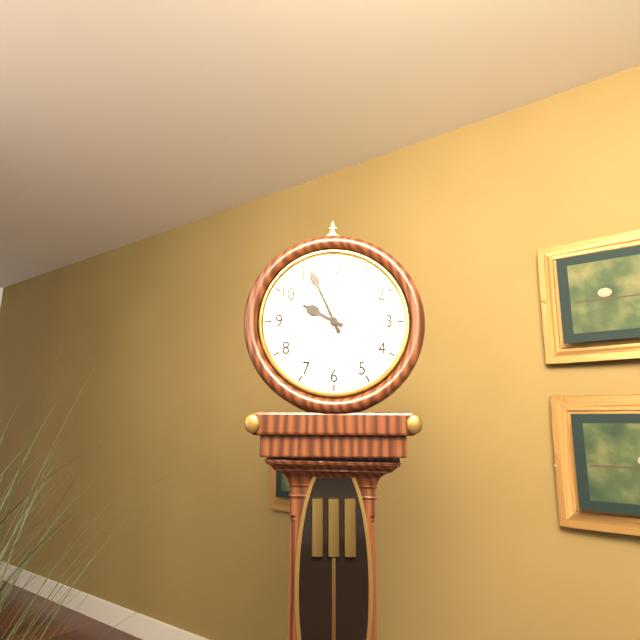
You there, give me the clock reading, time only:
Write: 9:56
